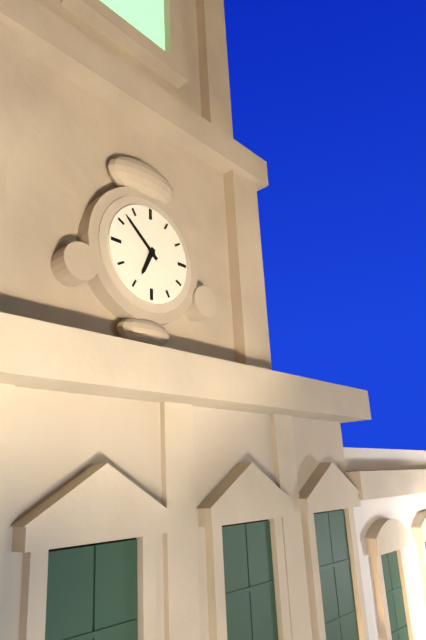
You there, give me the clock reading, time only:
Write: 6:52
